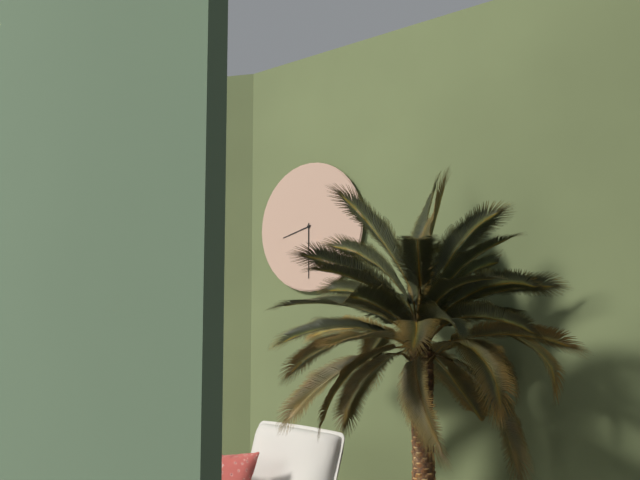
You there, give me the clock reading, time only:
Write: 8:30
